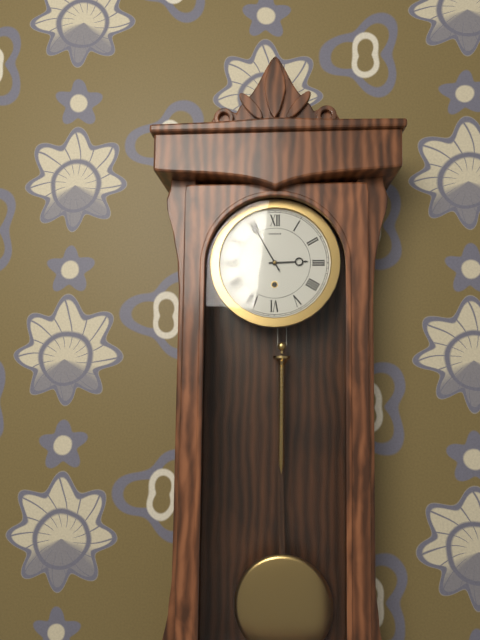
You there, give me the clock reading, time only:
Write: 2:55
